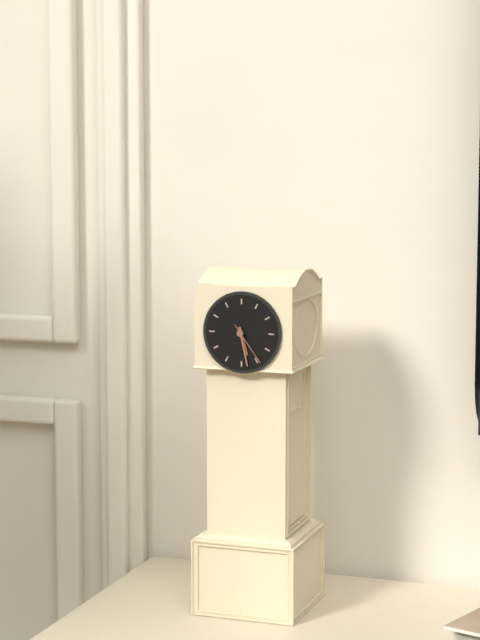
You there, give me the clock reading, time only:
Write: 5:28
